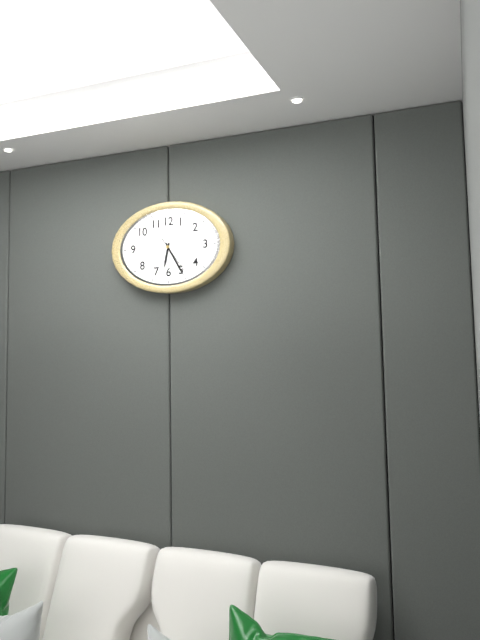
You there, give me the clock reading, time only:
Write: 6:25
